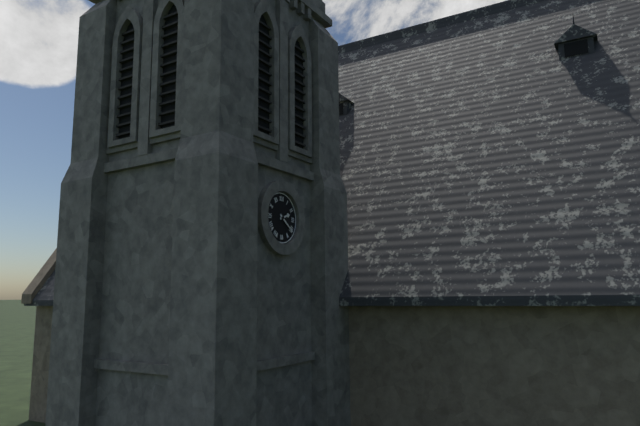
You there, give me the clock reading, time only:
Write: 2:21
